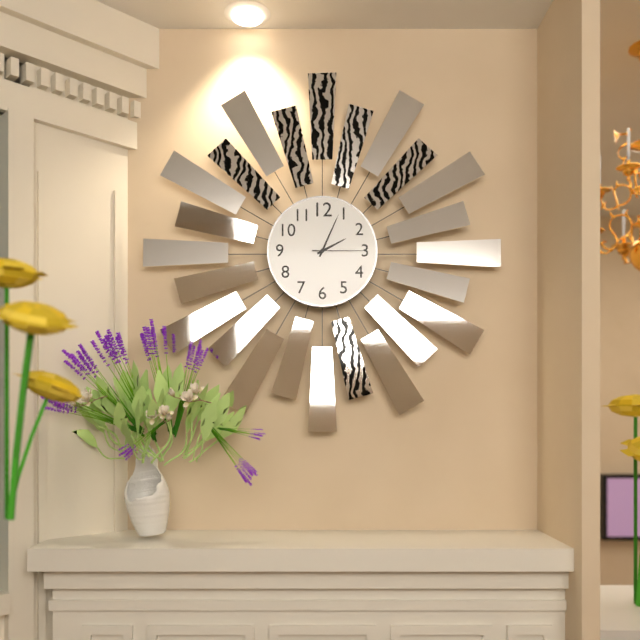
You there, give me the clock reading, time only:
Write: 2:04:15
